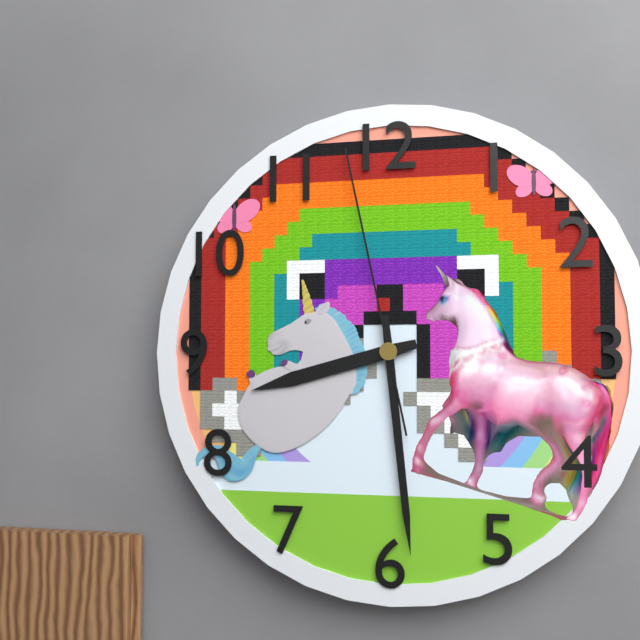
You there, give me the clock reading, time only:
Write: 8:29:58
